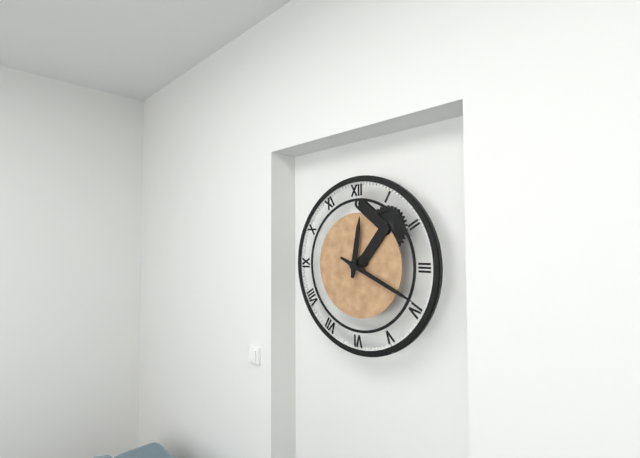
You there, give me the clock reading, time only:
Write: 12:19
